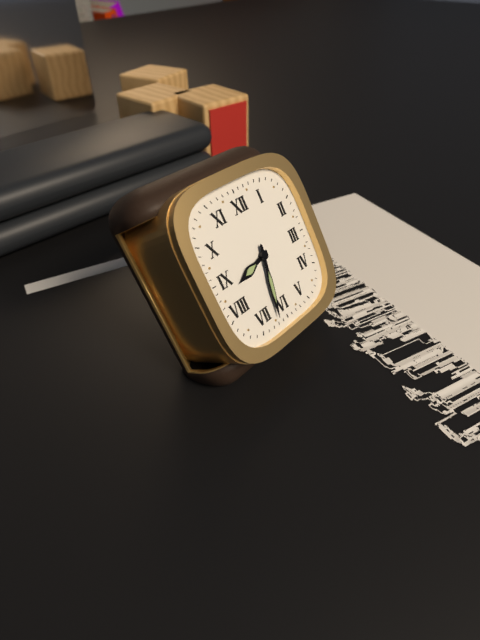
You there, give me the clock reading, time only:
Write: 8:32
